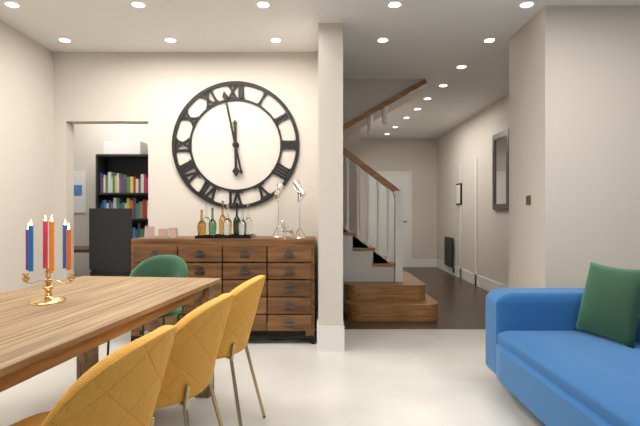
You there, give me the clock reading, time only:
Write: 5:58
